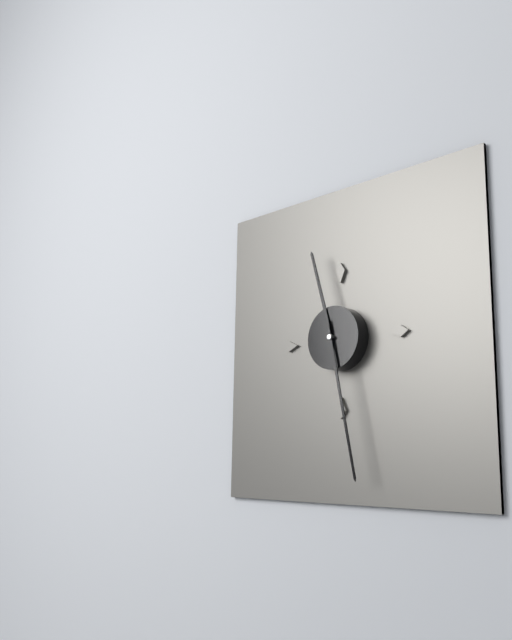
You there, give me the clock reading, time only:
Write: 11:28
